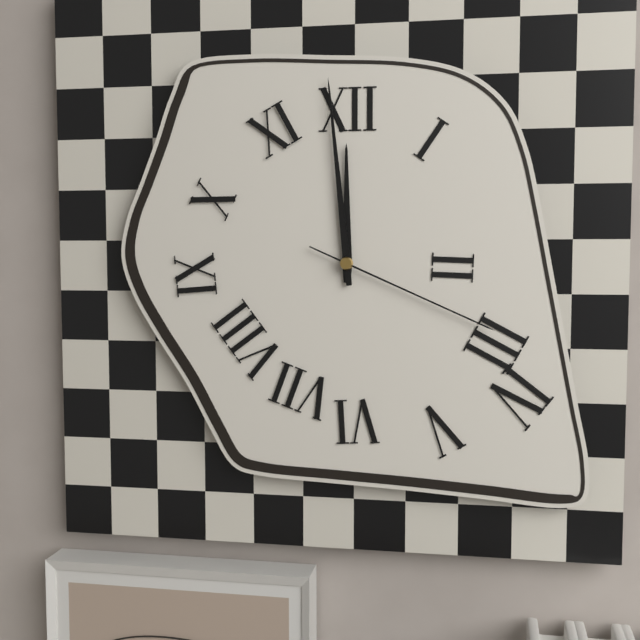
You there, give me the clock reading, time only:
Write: 11:59:19
